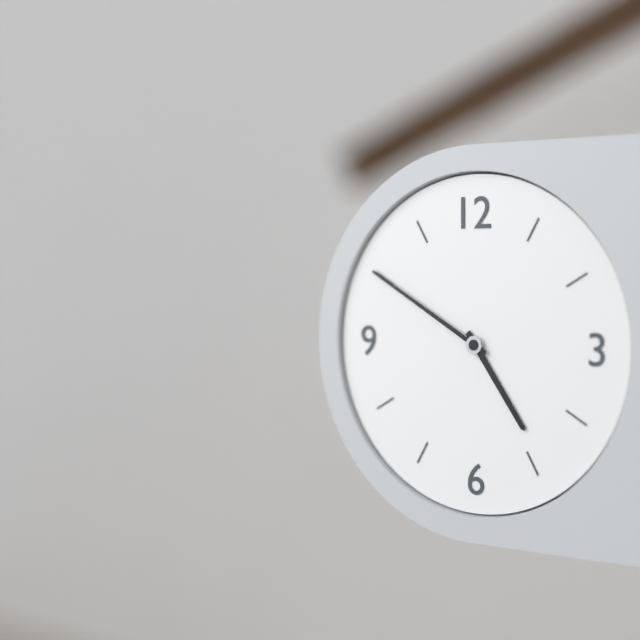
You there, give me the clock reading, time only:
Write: 4:50
